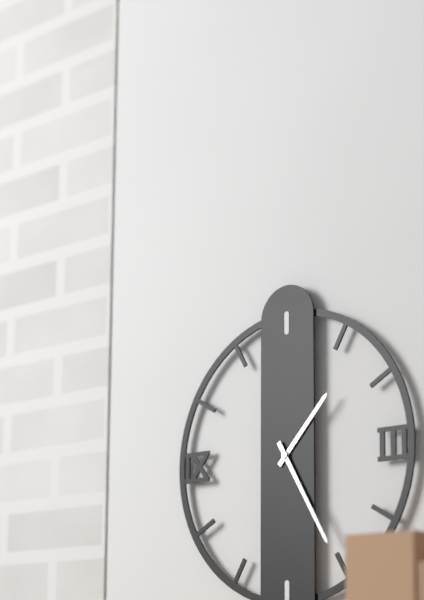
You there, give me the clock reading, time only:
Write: 1:25
